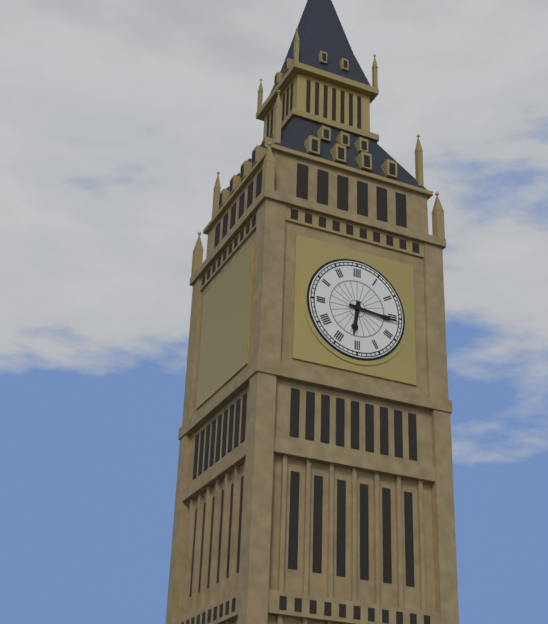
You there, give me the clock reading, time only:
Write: 6:16
